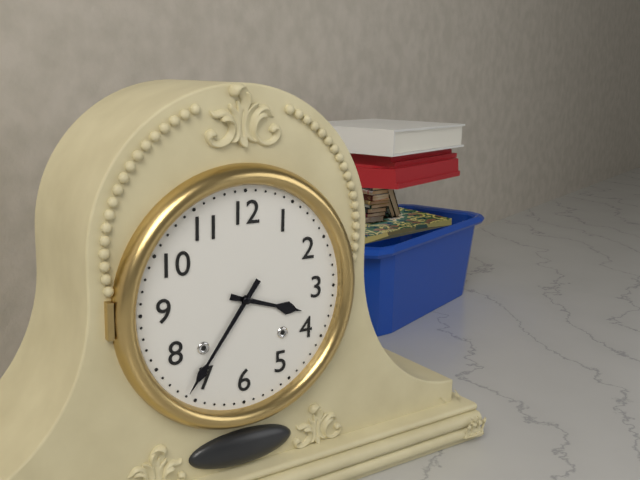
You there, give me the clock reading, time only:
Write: 3:36
